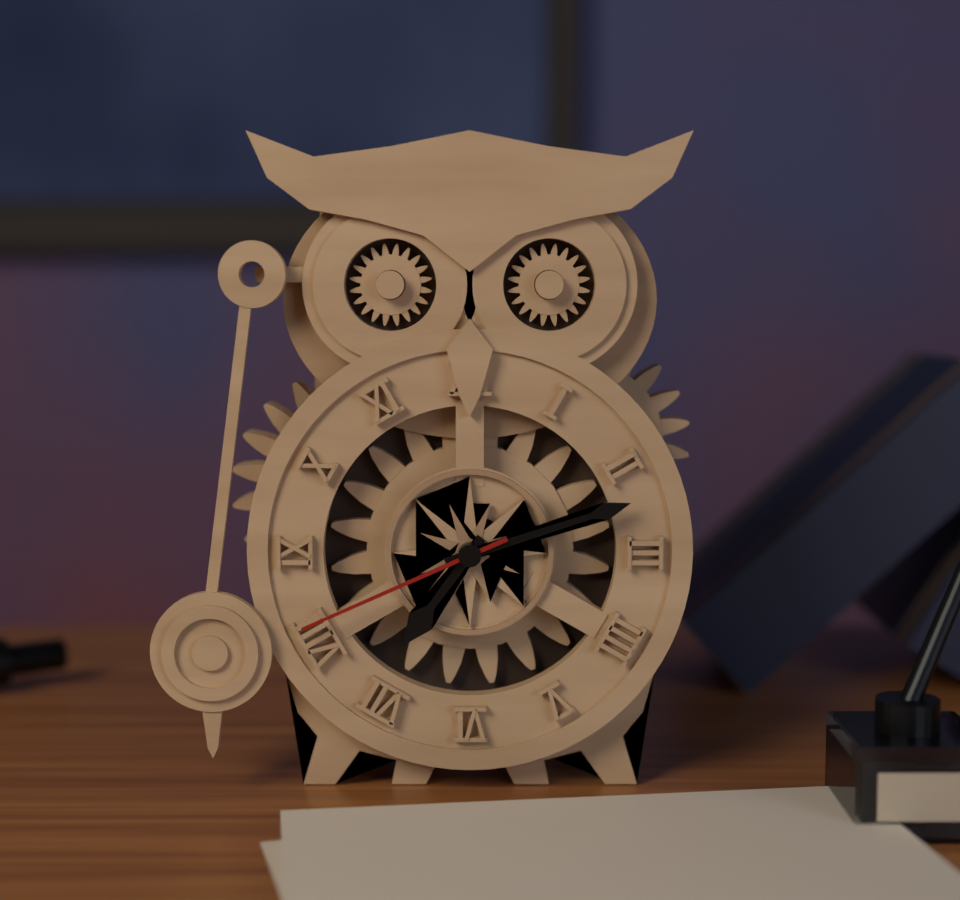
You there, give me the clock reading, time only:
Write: 7:12:41
